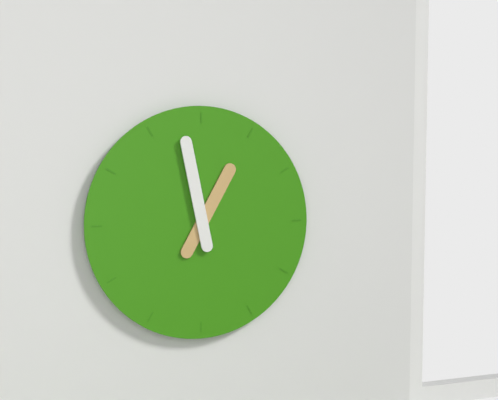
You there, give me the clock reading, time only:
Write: 12:58
